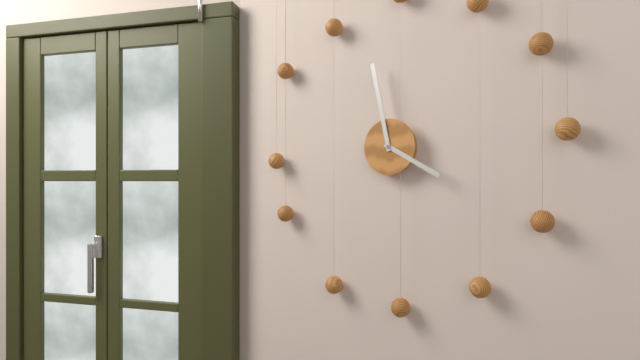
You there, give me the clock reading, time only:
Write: 3:58
